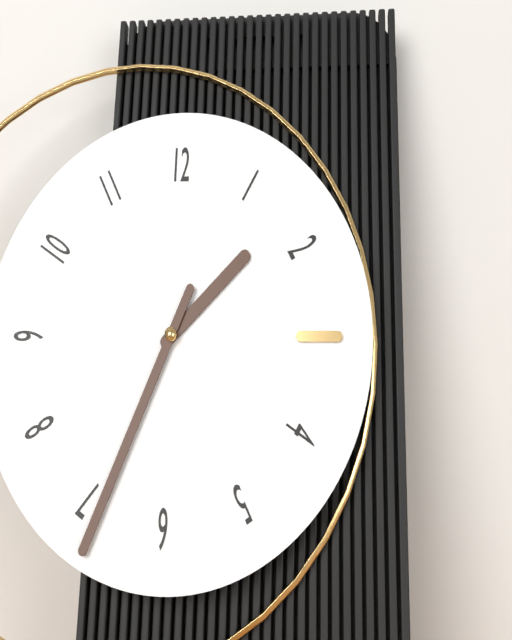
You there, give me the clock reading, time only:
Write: 1:34
